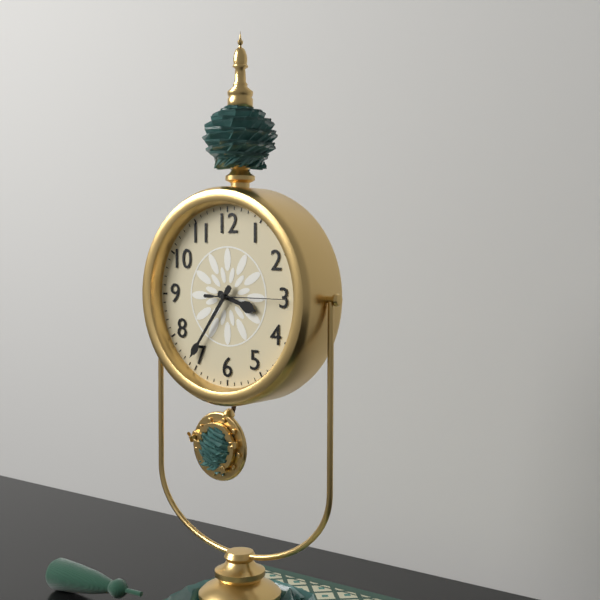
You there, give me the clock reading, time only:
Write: 3:36:15
